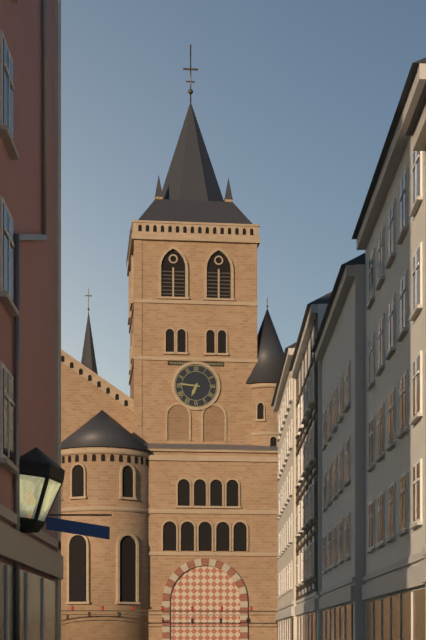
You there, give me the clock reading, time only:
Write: 6:46
